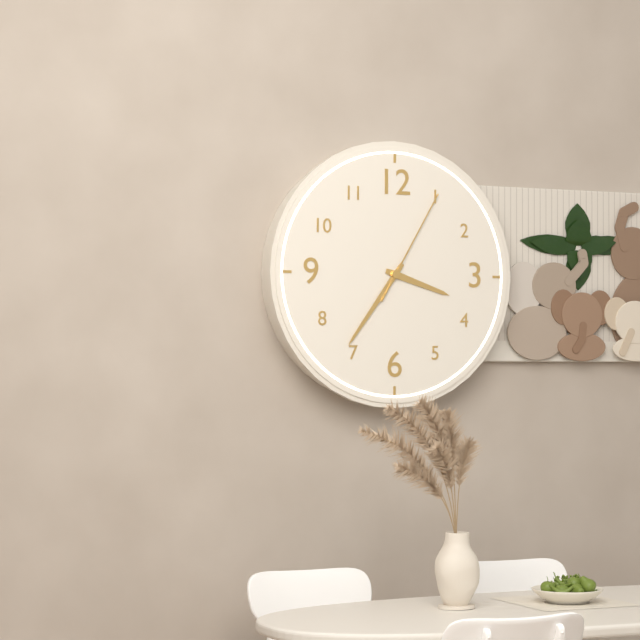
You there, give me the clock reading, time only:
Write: 3:36:05
